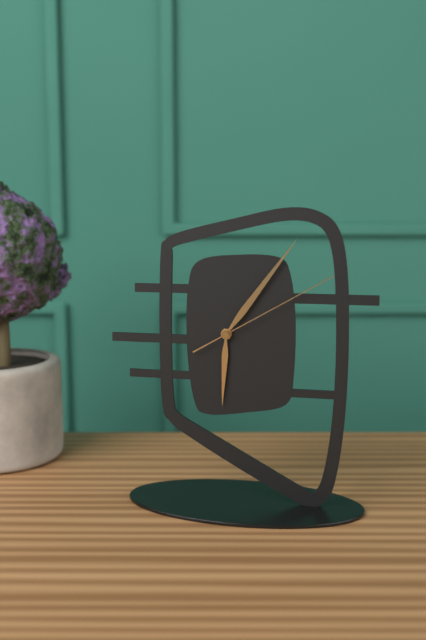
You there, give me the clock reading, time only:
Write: 6:06:10
